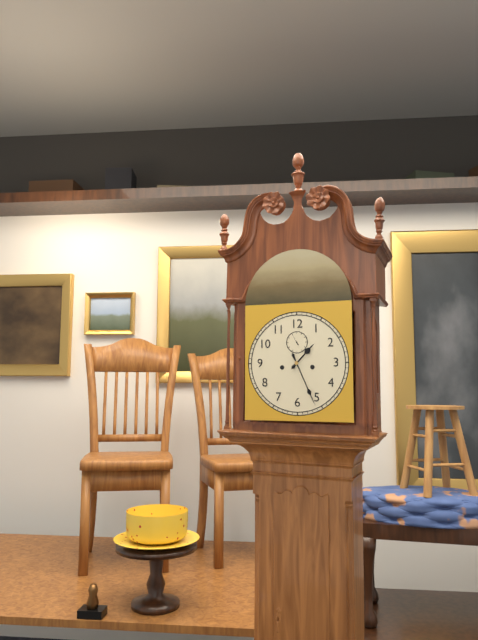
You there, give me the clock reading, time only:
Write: 1:26
